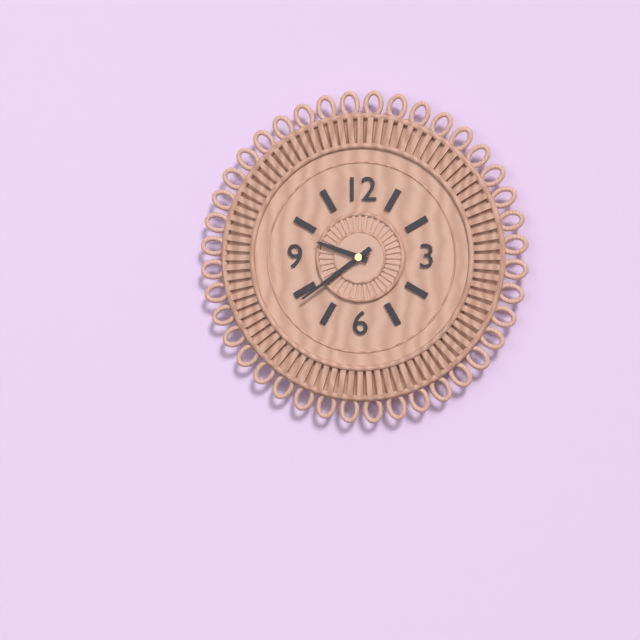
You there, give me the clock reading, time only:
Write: 9:39
